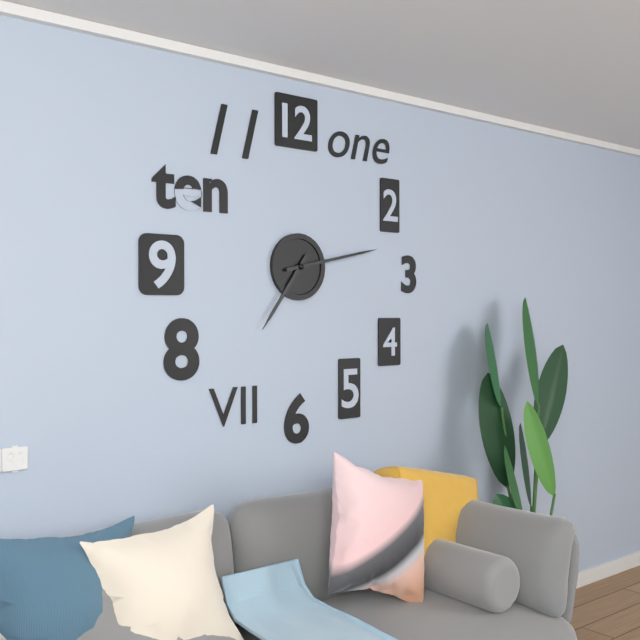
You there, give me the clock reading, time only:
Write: 7:13
